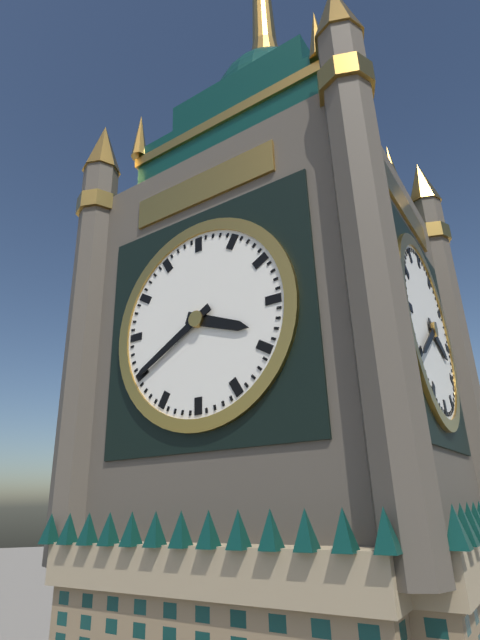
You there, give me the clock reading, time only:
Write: 3:40
